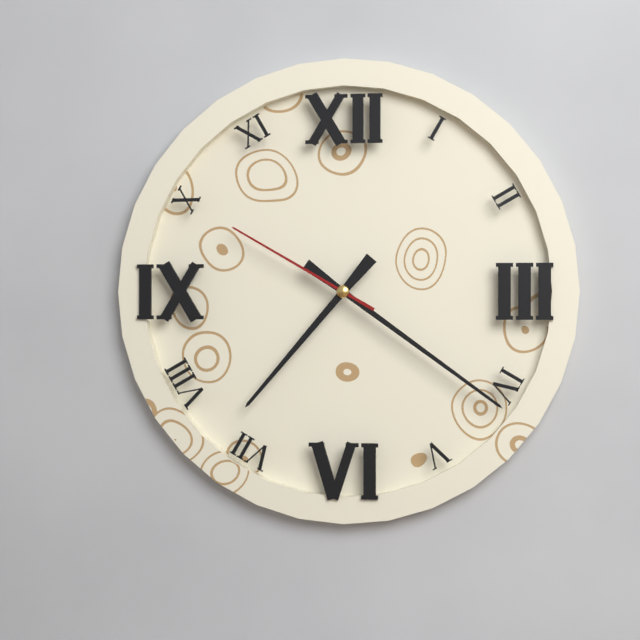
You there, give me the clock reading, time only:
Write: 7:21:50
